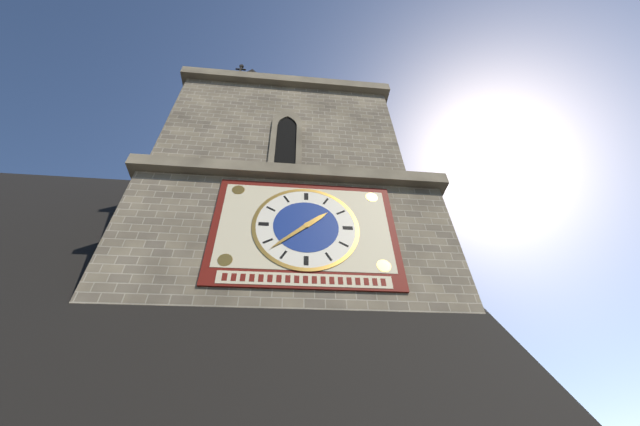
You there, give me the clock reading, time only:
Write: 1:38
